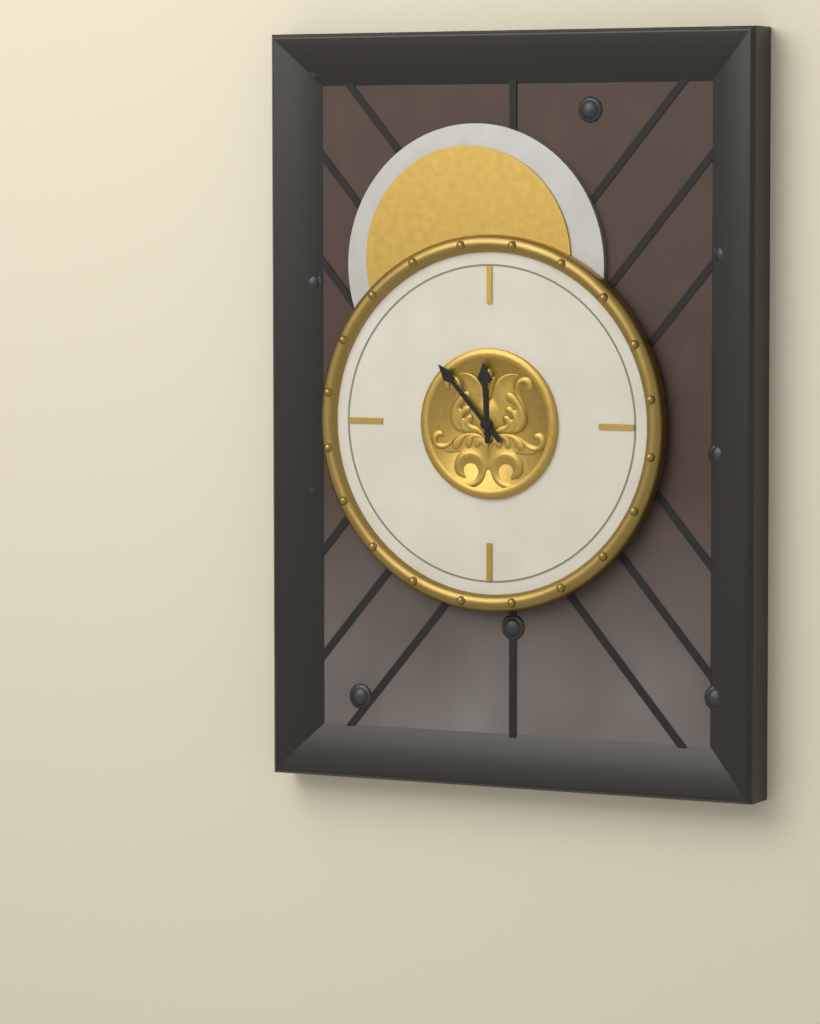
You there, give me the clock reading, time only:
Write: 11:53
